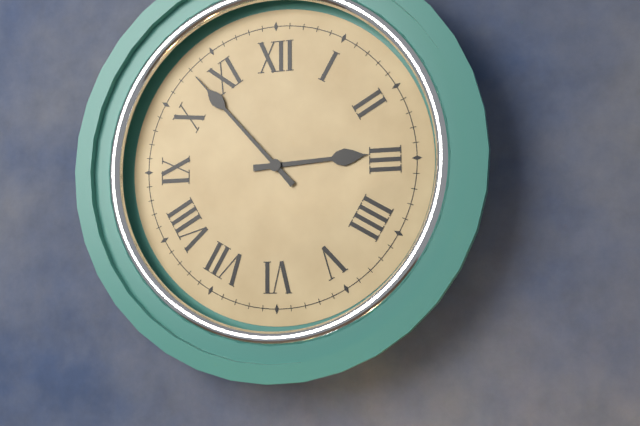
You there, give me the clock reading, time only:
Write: 2:53
